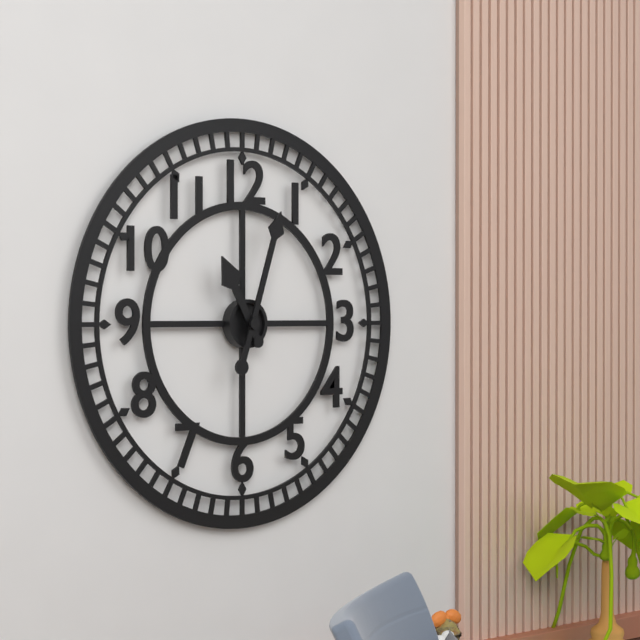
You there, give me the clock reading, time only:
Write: 11:03
